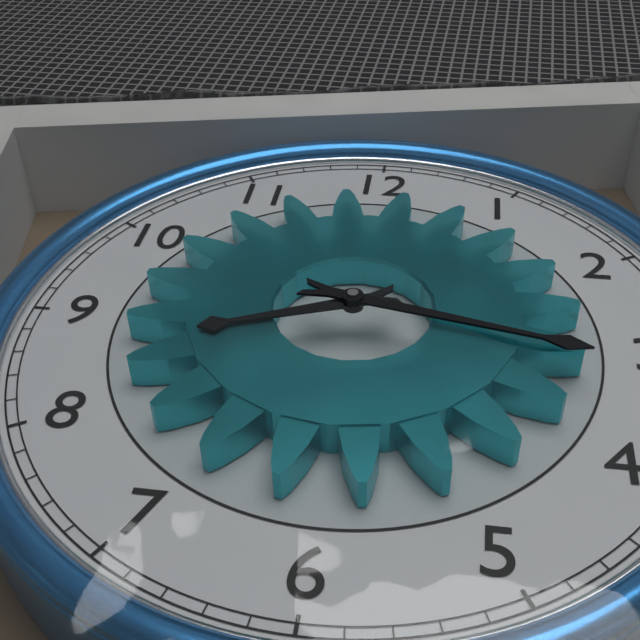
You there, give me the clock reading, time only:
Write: 8:17
